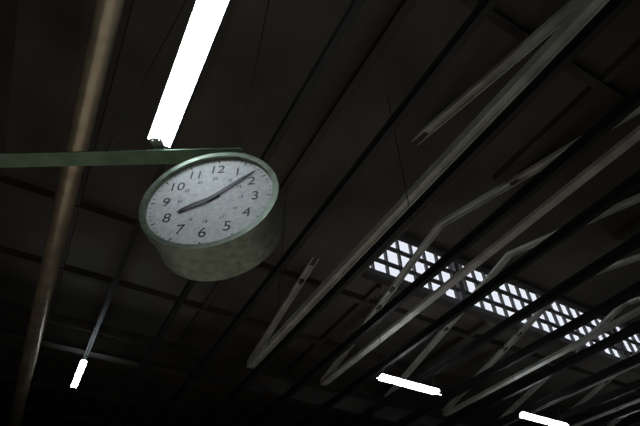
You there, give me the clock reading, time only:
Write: 8:08
